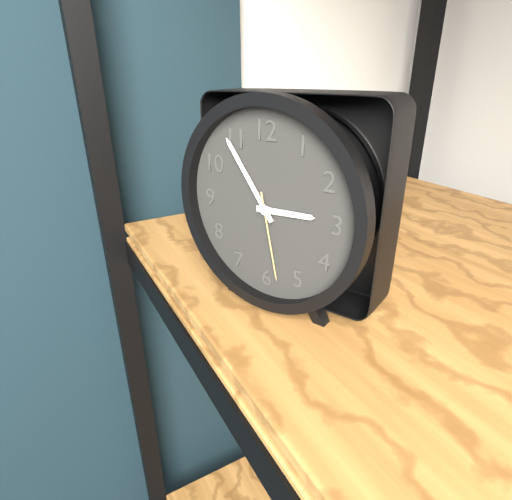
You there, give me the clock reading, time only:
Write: 2:54:28
